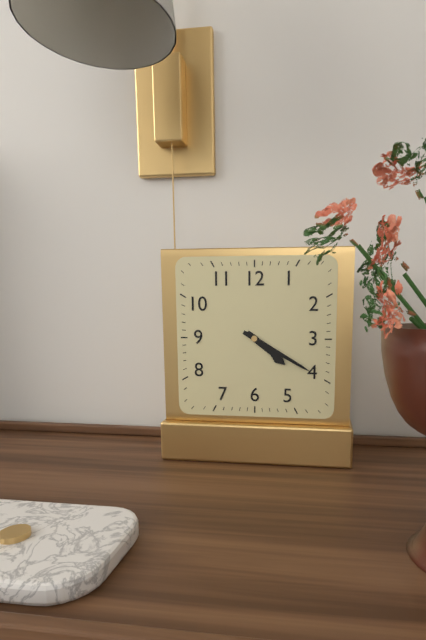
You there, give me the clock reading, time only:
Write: 4:20
